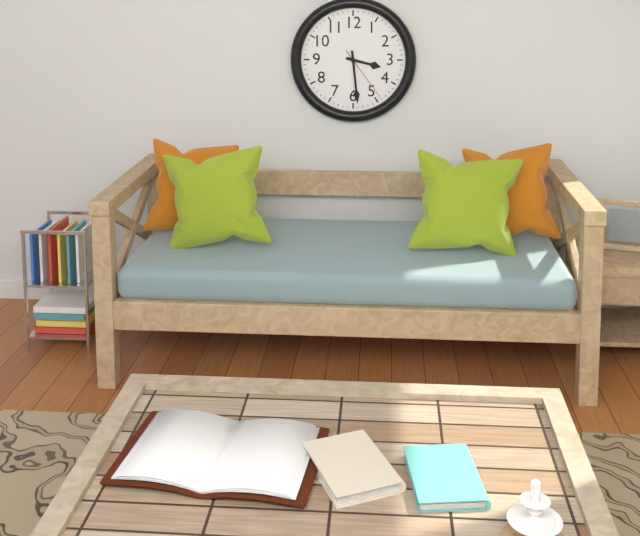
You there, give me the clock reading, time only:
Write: 3:29:24
